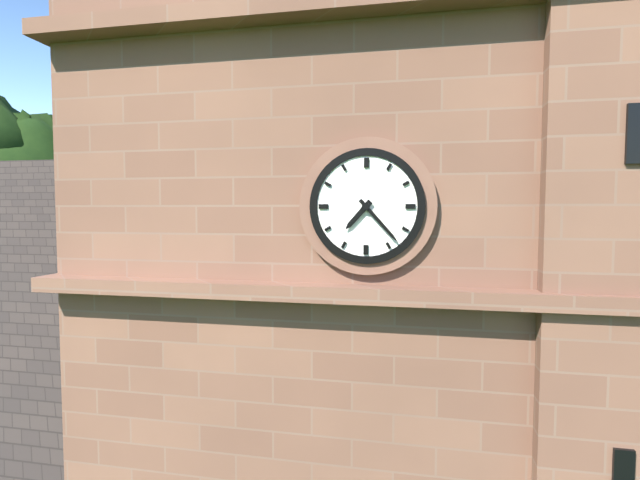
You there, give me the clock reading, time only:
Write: 7:23
